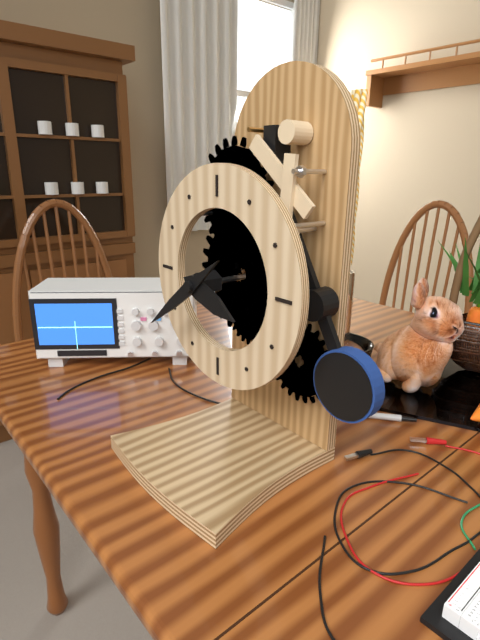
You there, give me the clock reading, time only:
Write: 3:39
